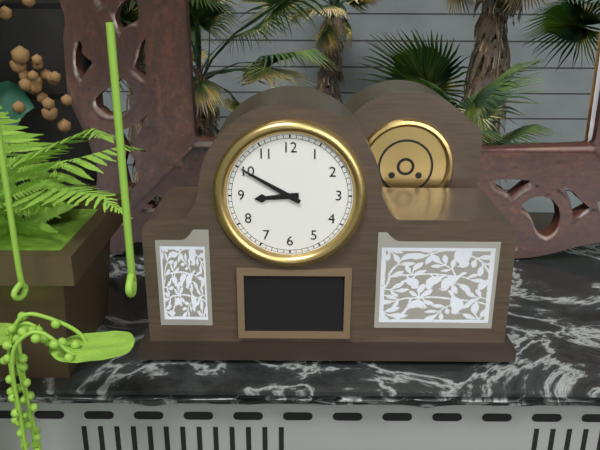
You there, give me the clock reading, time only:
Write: 8:50
